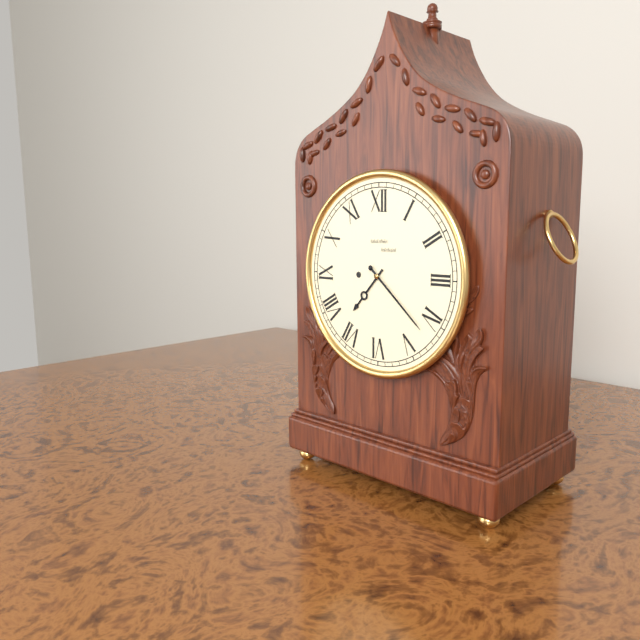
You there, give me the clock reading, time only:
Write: 7:22
